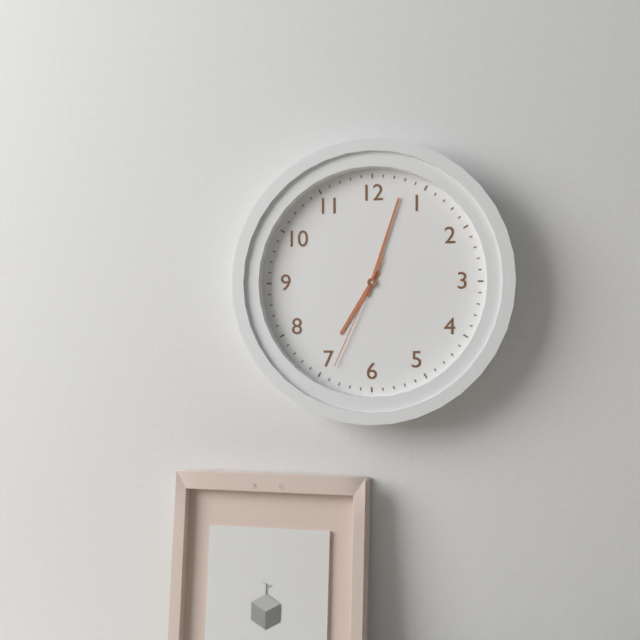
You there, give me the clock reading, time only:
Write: 7:03:34
